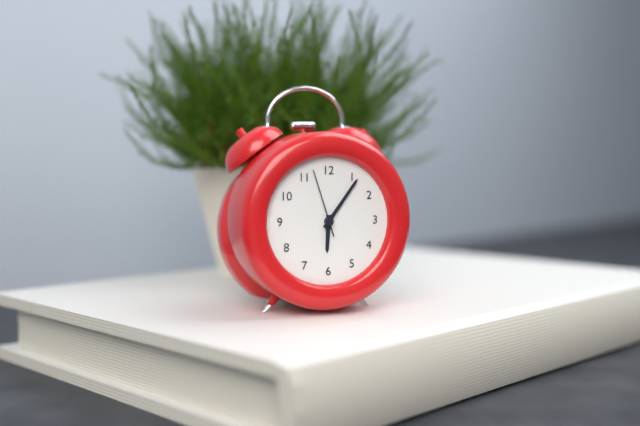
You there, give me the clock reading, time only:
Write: 6:06:57
